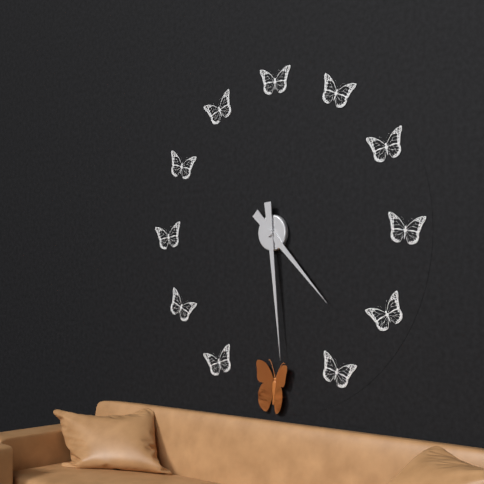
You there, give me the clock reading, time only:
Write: 4:29
